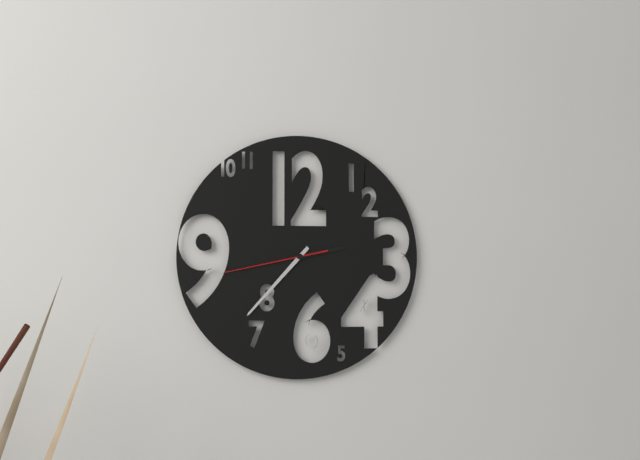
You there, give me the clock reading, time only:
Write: 2:37:43
